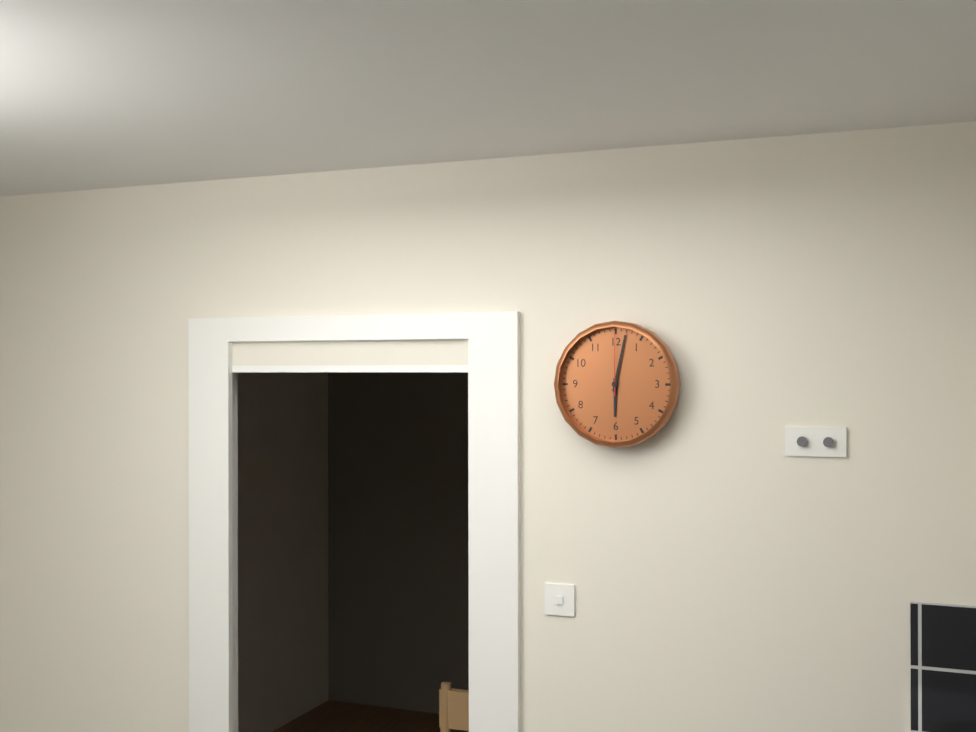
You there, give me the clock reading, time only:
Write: 6:02:00
